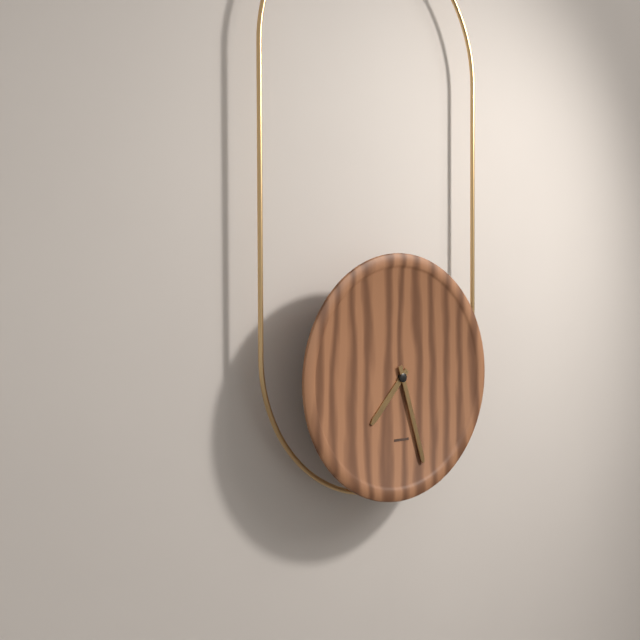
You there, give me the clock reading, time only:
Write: 7:27
